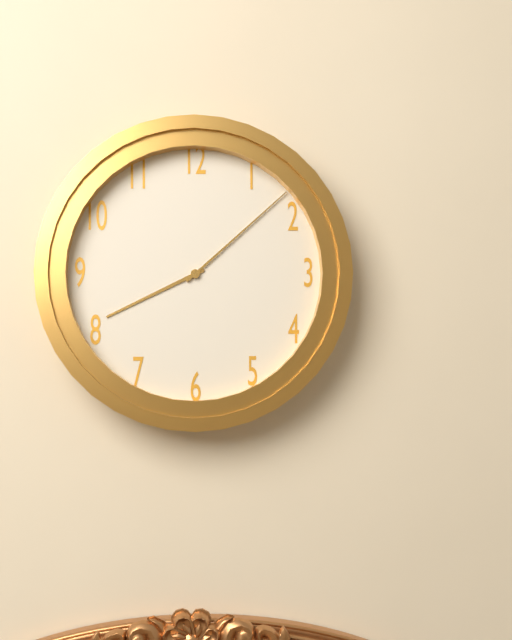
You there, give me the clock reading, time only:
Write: 8:08
